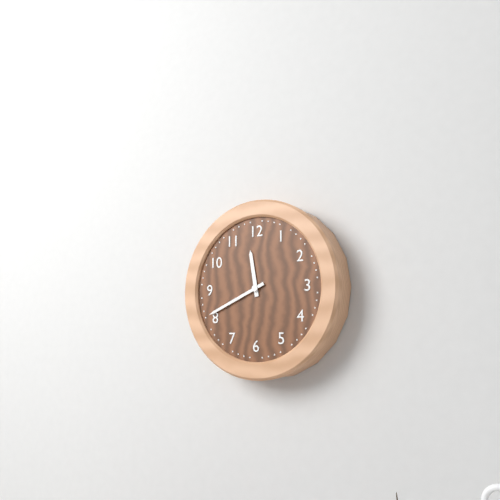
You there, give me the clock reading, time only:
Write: 11:41
